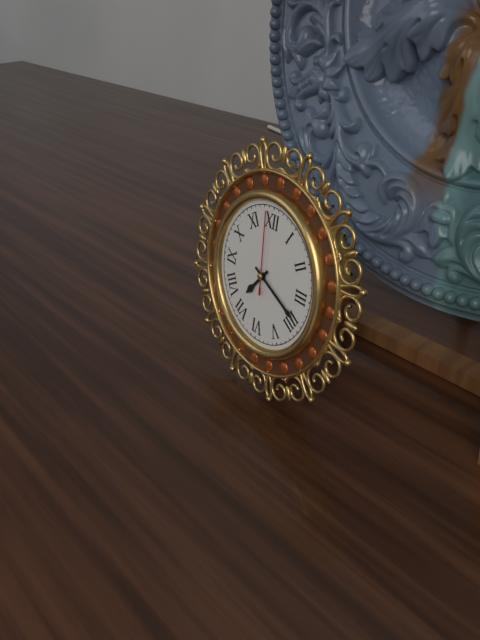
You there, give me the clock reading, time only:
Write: 7:19:59
